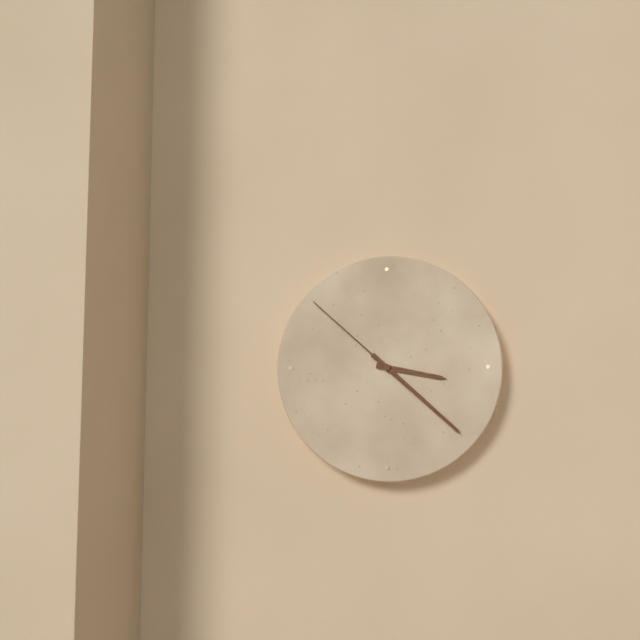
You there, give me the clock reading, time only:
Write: 3:22:52
